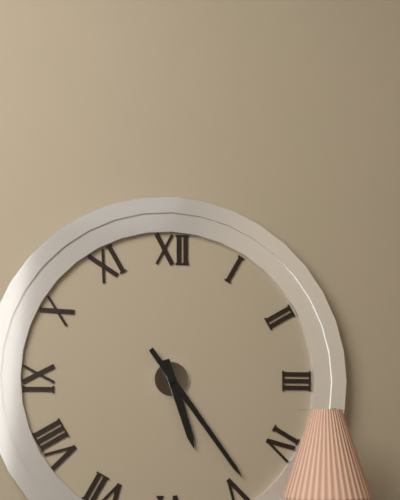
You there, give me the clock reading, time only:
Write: 5:24
